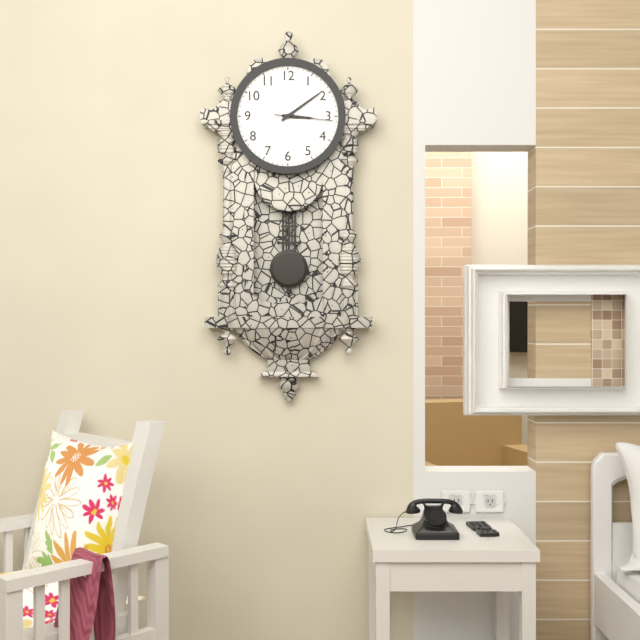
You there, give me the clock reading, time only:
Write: 3:09:16
